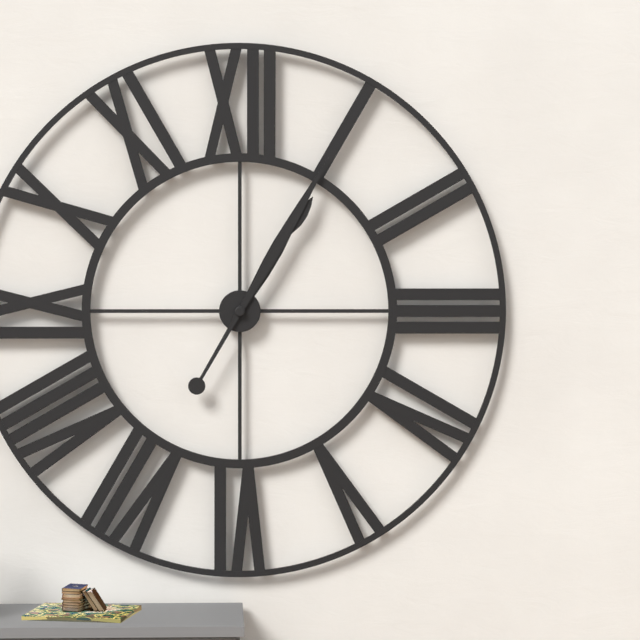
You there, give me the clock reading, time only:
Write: 1:05
